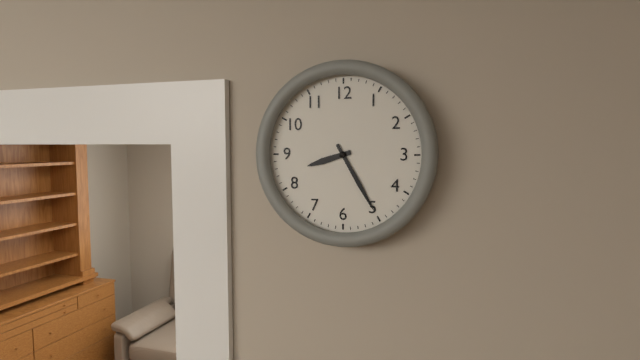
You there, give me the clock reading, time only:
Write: 8:25
